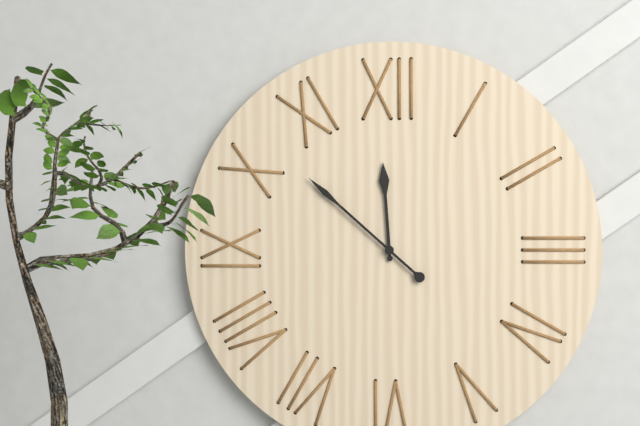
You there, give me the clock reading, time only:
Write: 11:52
